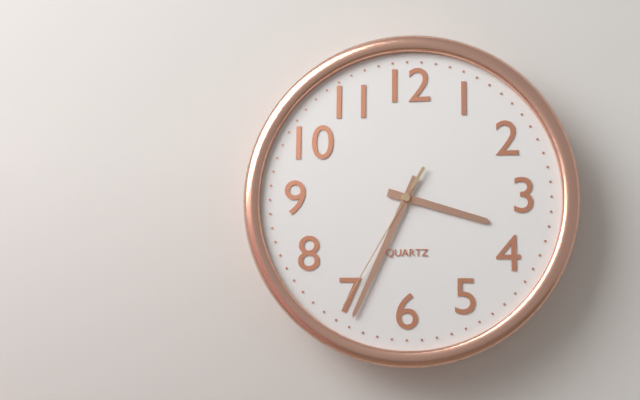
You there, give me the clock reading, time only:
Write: 3:34:35
